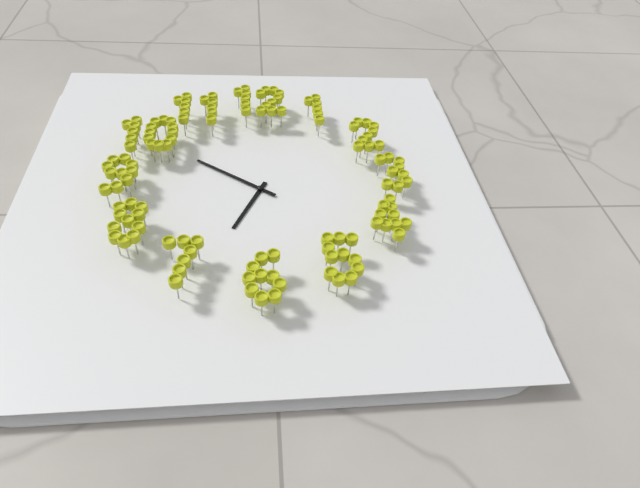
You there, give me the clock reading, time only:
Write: 6:51
